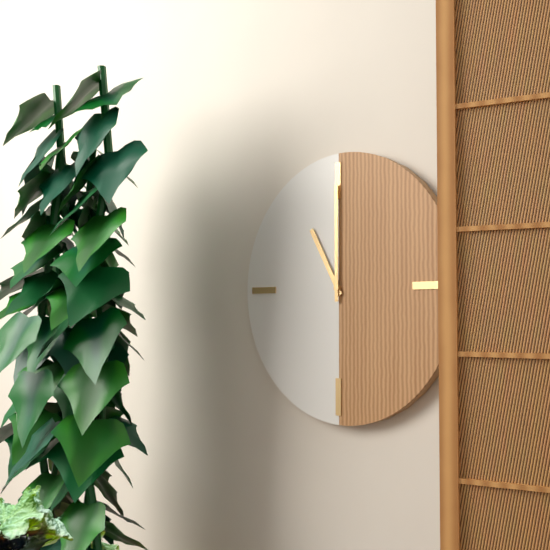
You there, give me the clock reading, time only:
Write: 11:00
